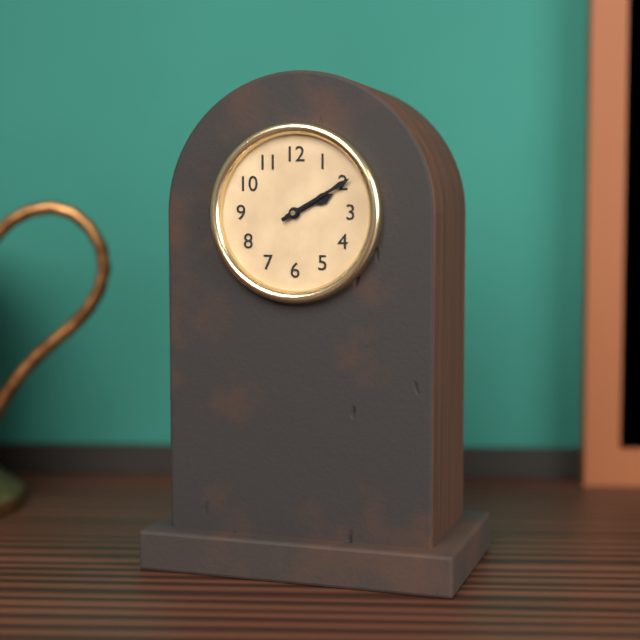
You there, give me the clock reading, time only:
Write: 2:10
